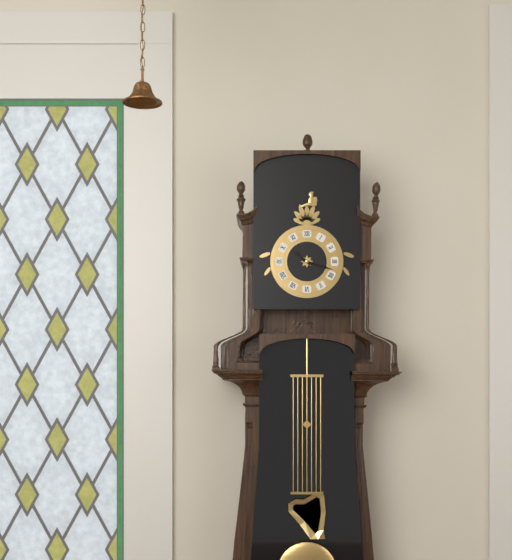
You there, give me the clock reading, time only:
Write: 10:18
